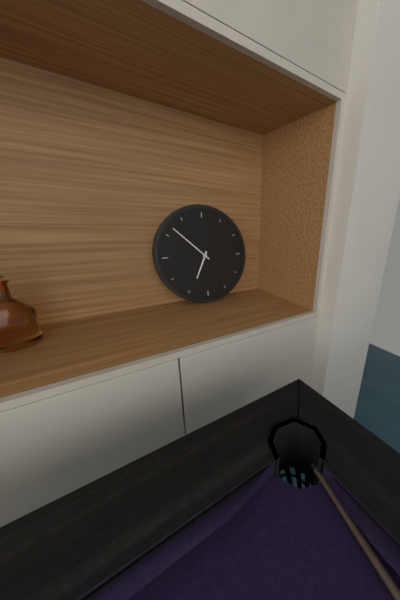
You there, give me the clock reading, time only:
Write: 6:52
